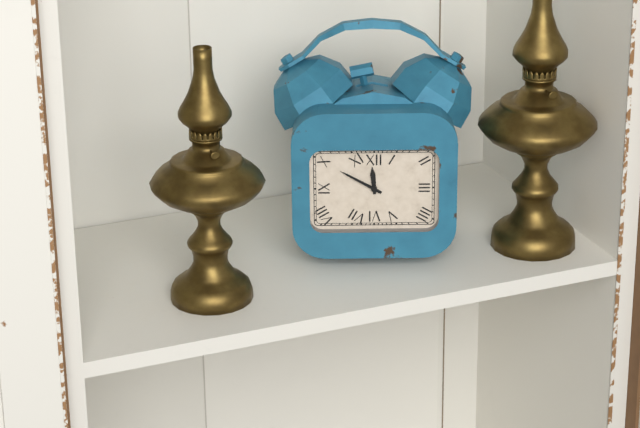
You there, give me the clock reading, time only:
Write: 11:50
